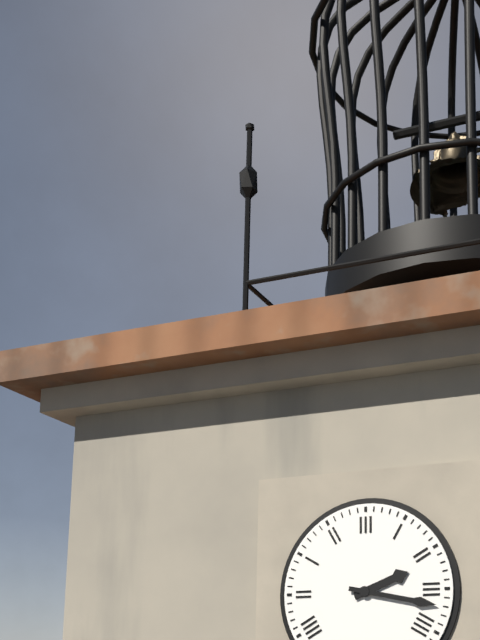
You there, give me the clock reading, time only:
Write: 2:17
